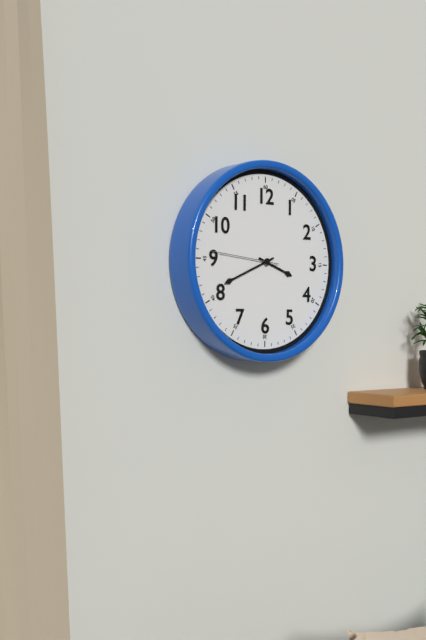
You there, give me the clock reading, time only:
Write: 3:41:46
